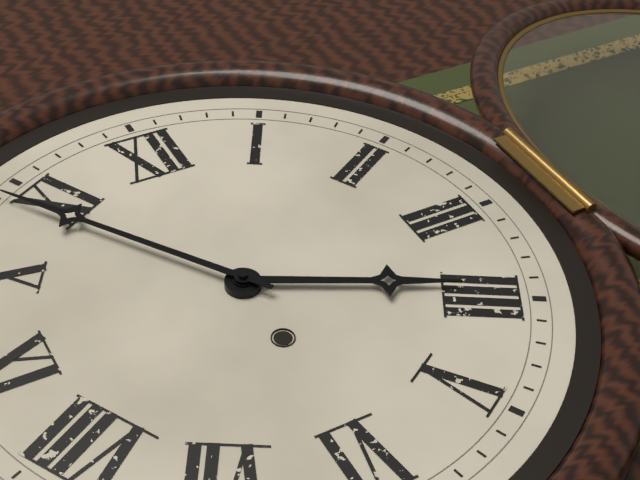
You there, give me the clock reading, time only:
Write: 3:54
